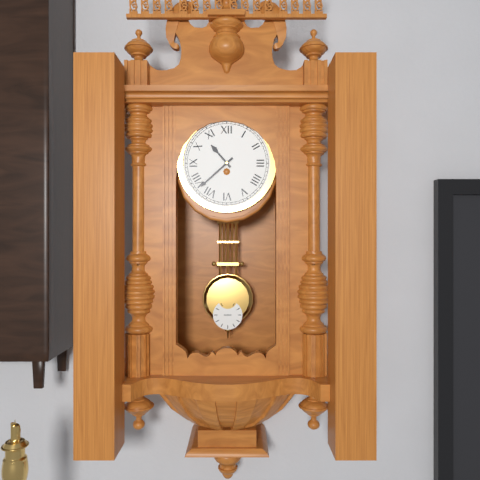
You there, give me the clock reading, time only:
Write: 10:38
